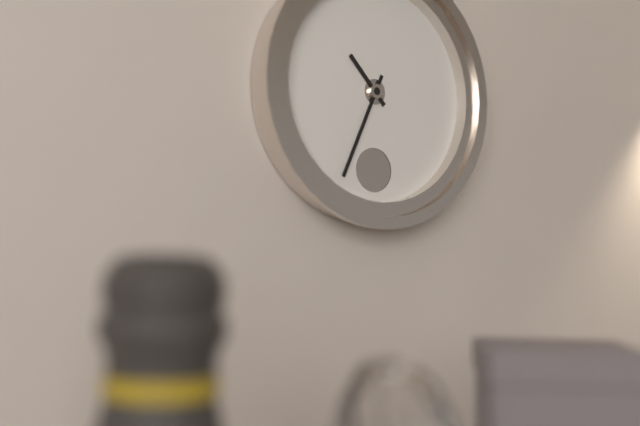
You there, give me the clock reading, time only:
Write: 10:34
